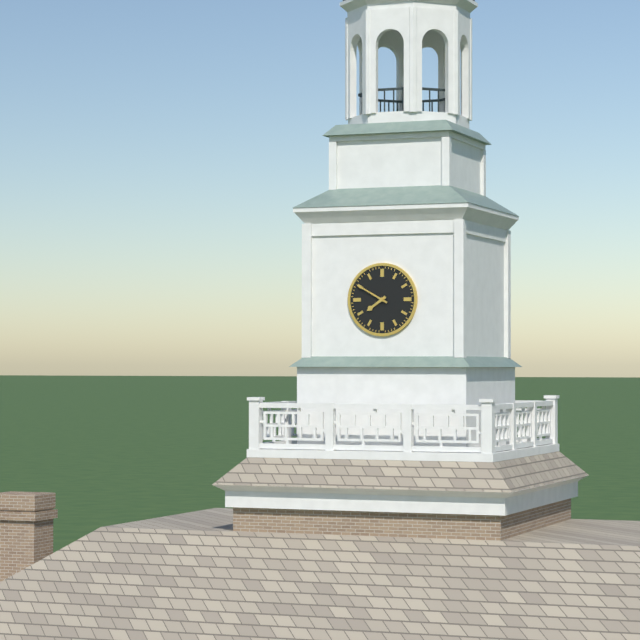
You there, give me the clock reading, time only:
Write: 7:50
